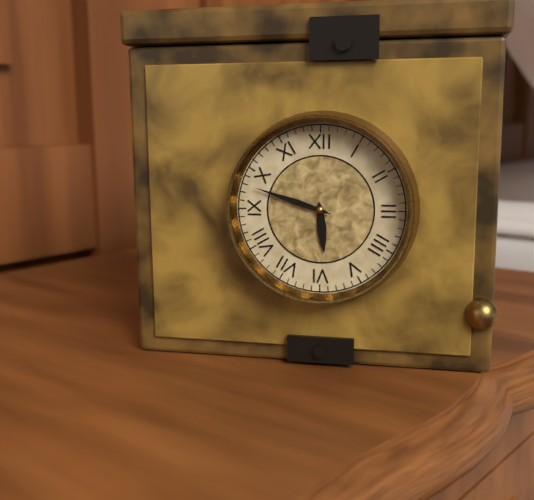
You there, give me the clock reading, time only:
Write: 5:48
